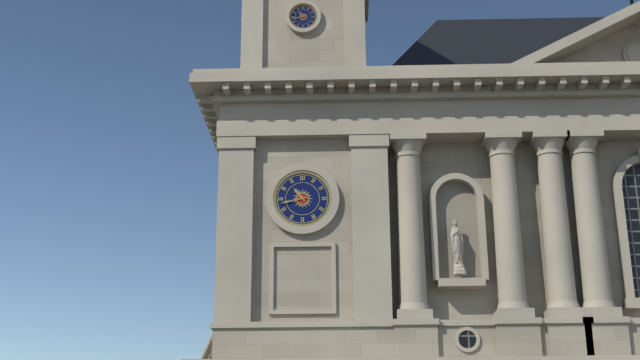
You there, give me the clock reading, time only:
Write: 10:43
